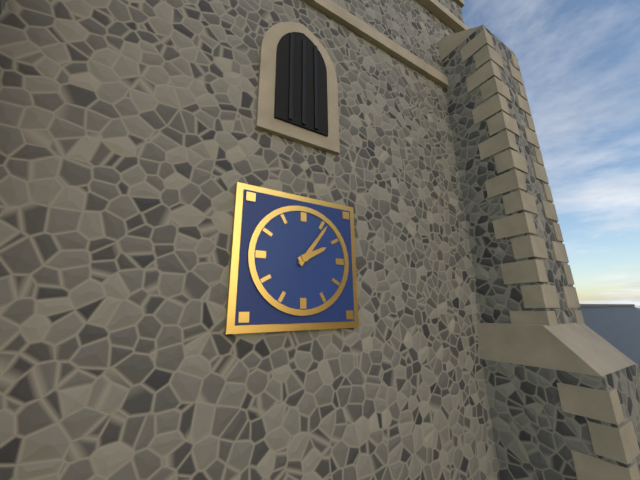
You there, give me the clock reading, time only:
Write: 2:06
